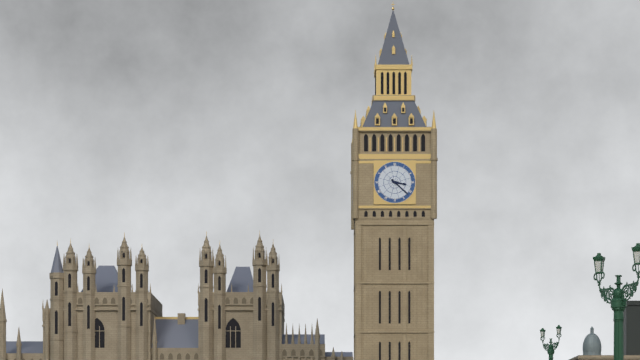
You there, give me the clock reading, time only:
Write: 3:22
